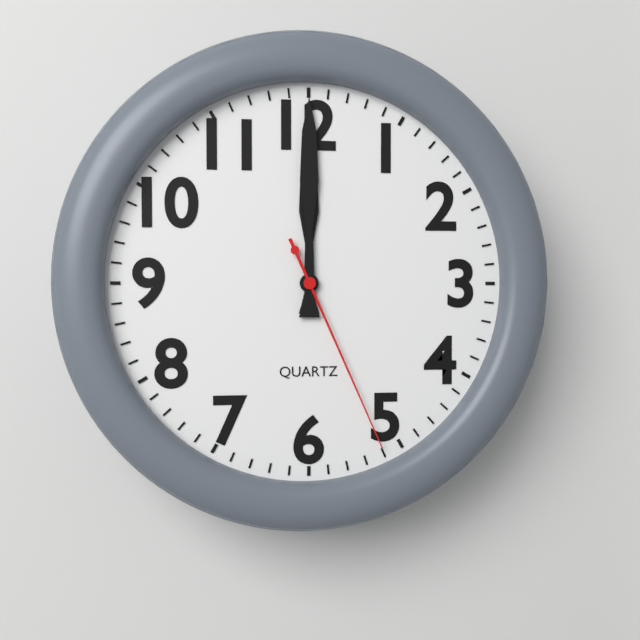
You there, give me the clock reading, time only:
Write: 12:00:26
